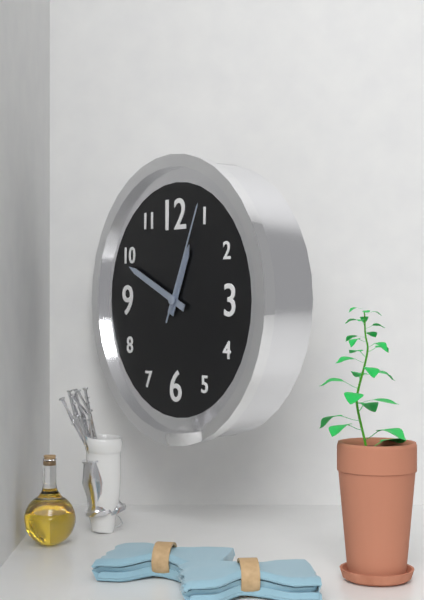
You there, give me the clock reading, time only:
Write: 12:49:04
